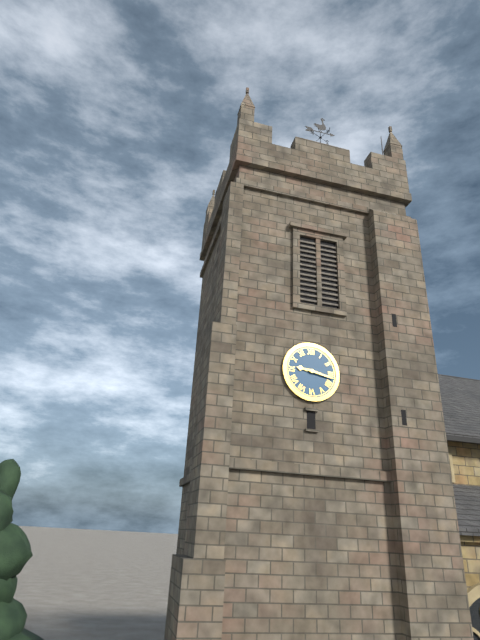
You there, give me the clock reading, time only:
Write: 9:17
